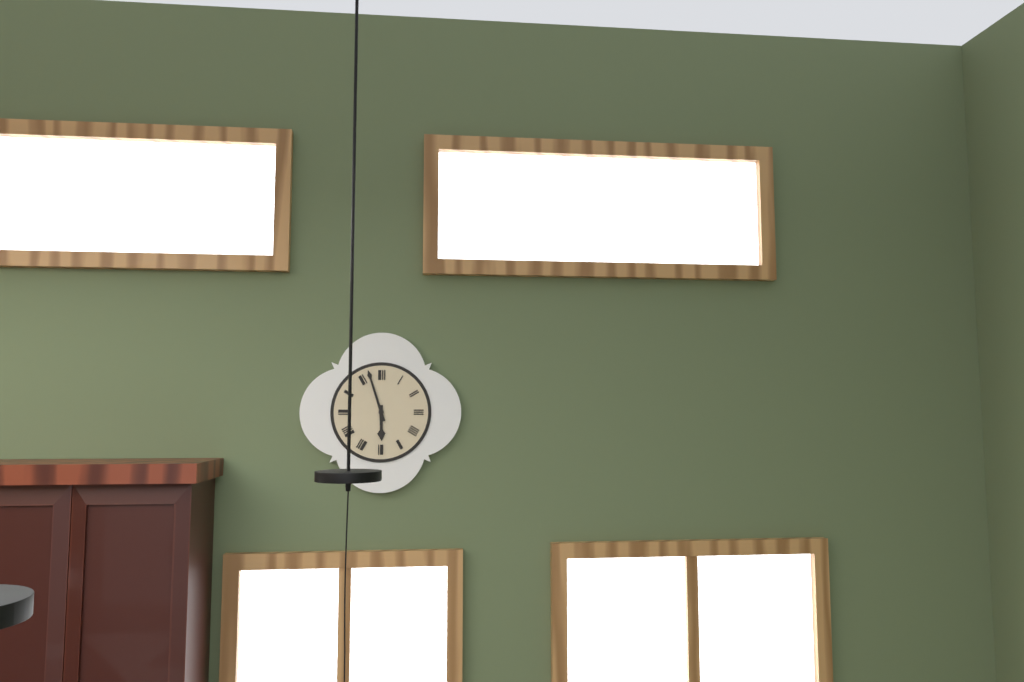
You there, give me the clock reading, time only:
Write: 5:57
